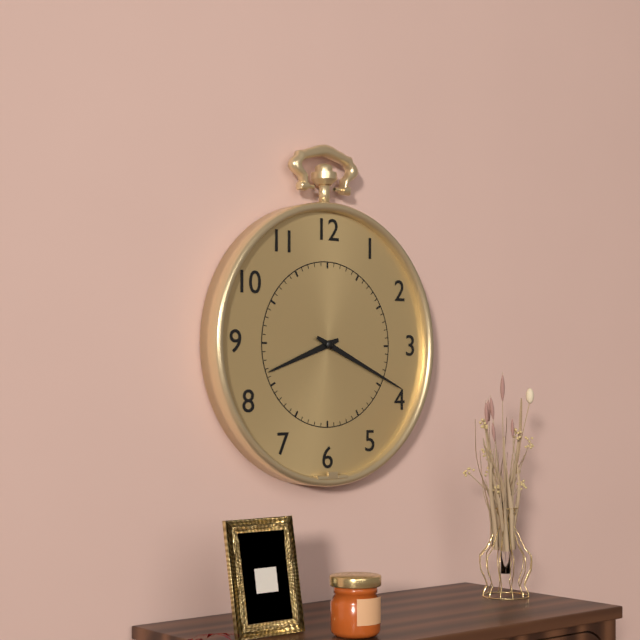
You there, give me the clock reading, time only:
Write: 8:19
